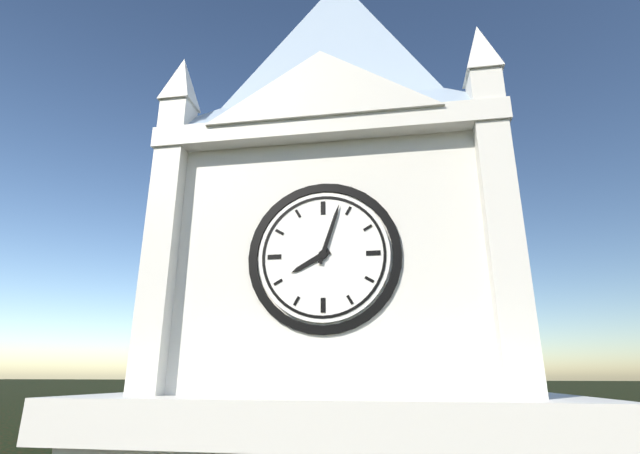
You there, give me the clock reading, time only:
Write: 8:03
